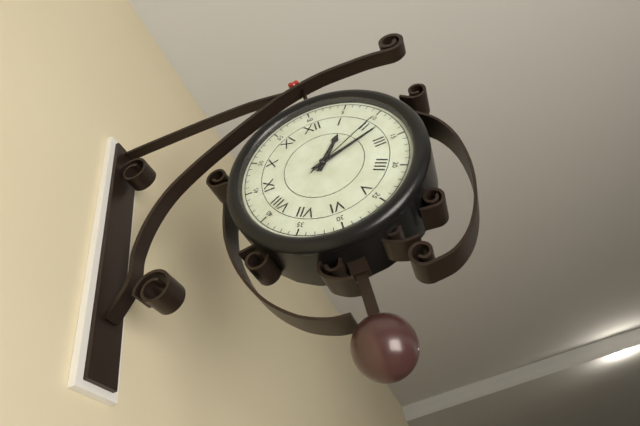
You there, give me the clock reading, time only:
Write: 1:12:10
